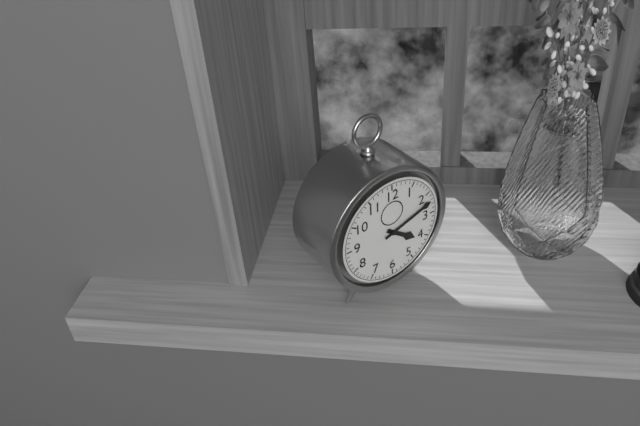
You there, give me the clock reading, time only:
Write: 4:12
